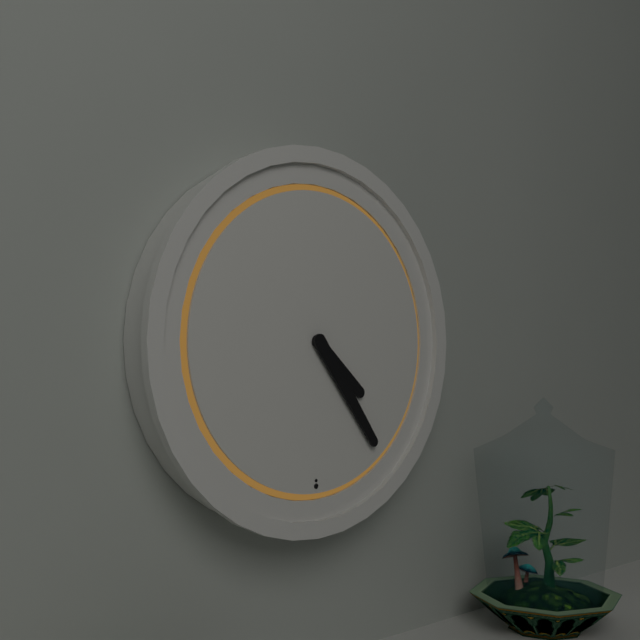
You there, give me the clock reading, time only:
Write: 4:24
